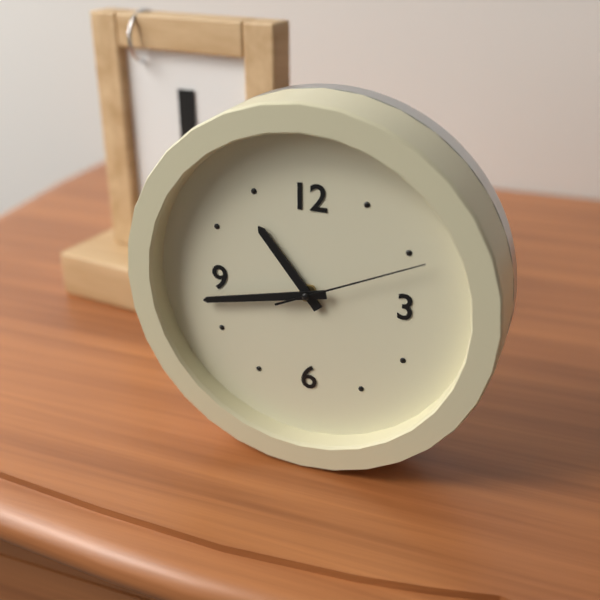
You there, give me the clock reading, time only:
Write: 10:43:11
